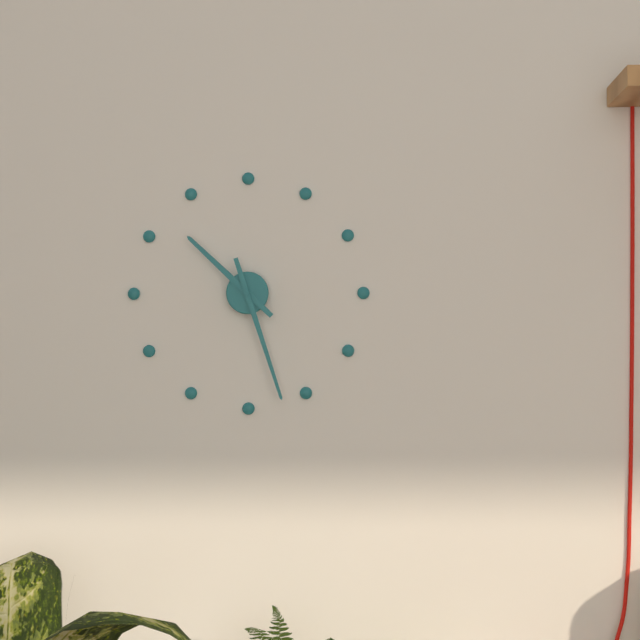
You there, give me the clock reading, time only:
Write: 10:27
